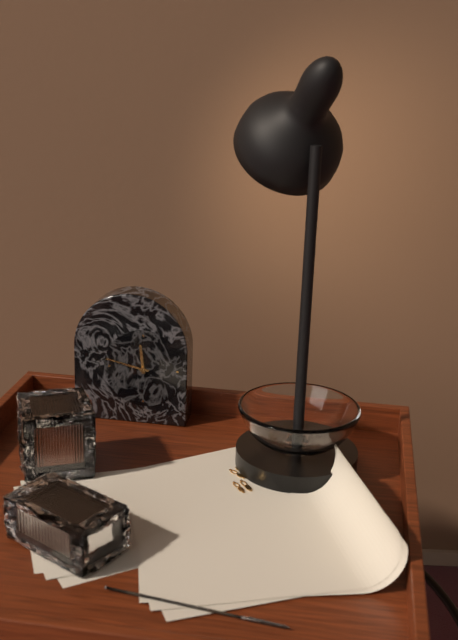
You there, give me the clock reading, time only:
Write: 11:47
